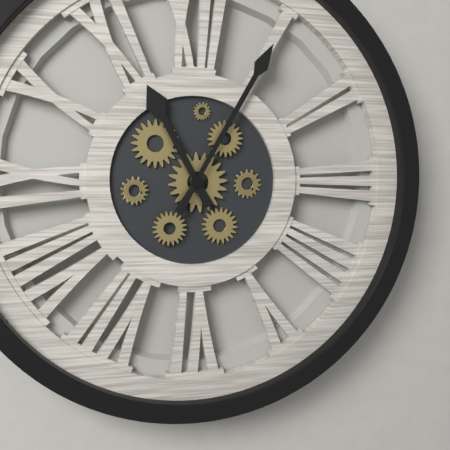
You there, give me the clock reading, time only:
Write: 11:05
